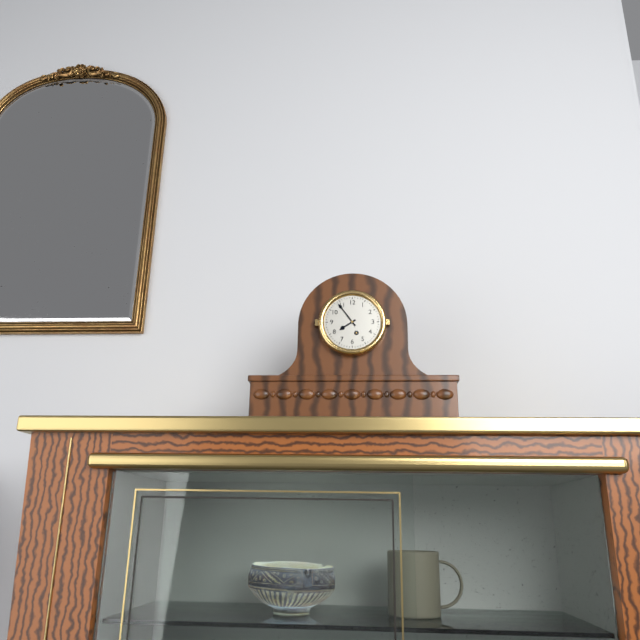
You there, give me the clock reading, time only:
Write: 7:54
